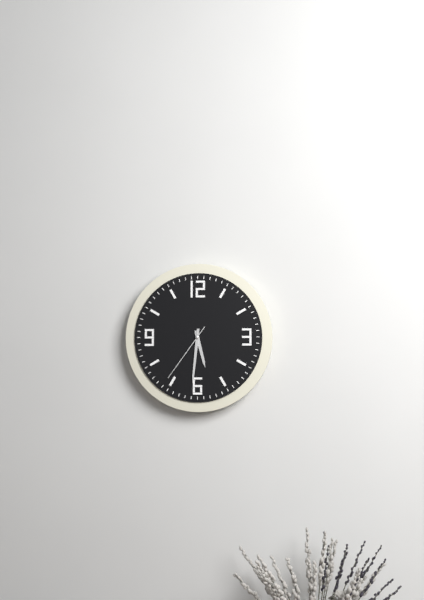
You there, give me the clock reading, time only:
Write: 5:31:36
